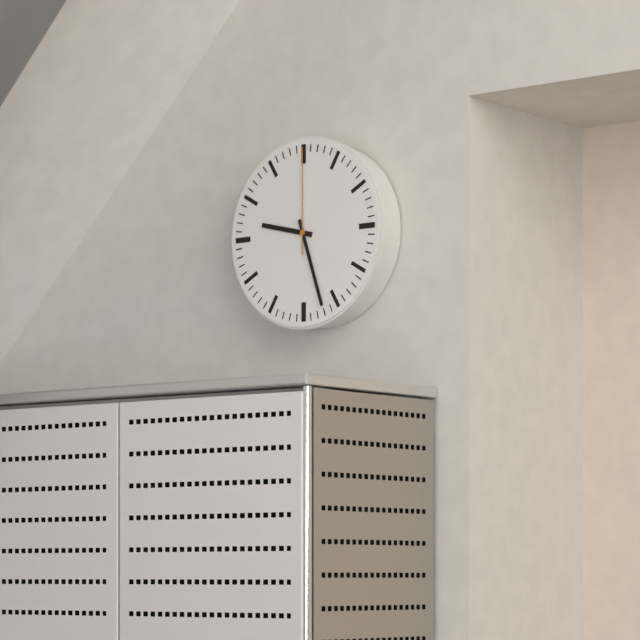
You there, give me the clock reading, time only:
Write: 9:27:00
